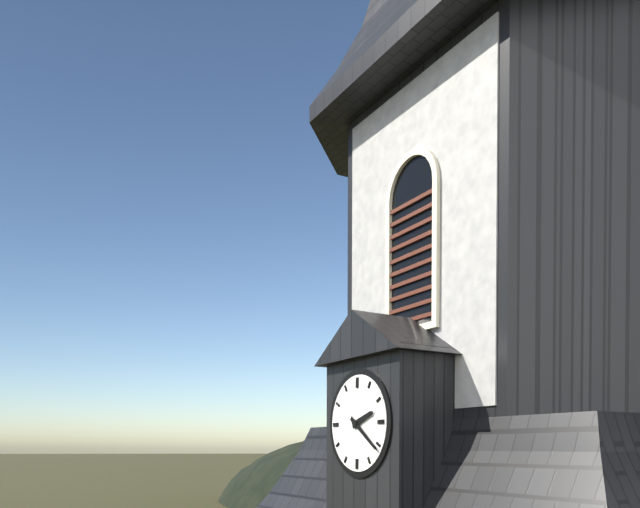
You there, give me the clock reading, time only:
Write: 2:21
